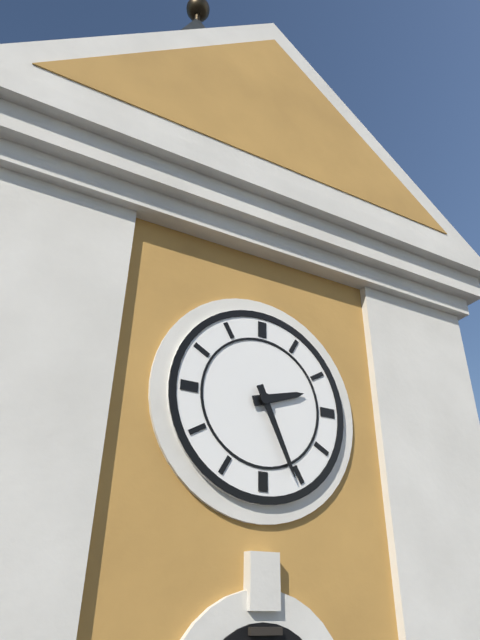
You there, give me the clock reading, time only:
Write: 2:26
